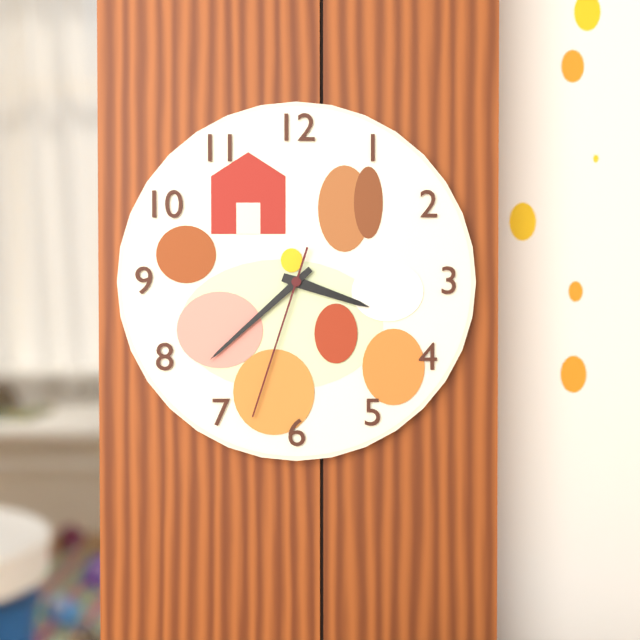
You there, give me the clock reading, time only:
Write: 3:38:33
